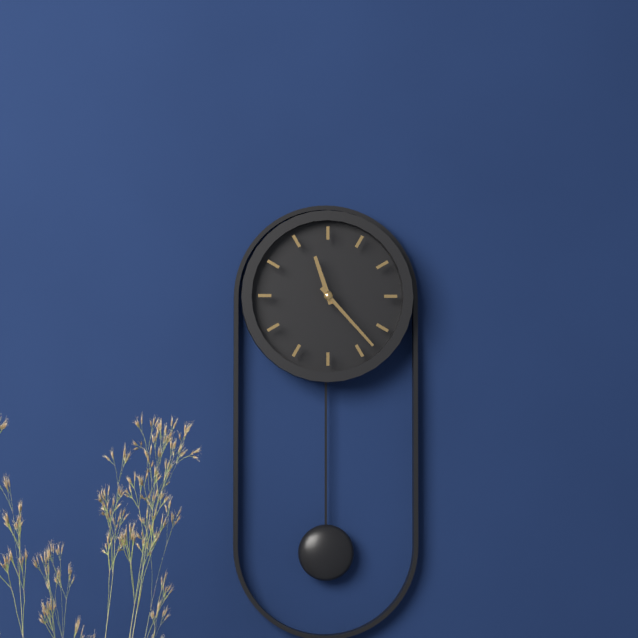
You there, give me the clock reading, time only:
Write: 11:23
